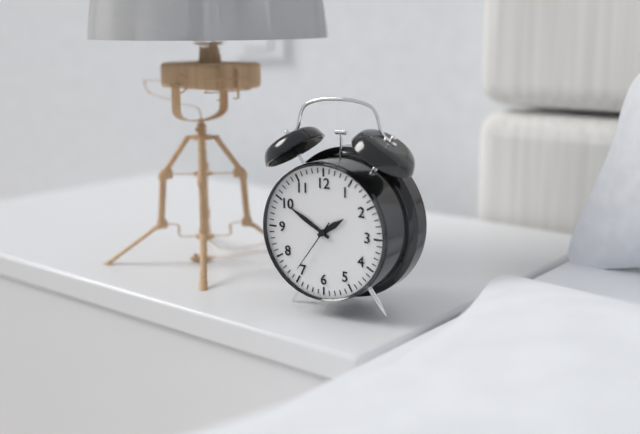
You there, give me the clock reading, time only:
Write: 1:50:36
